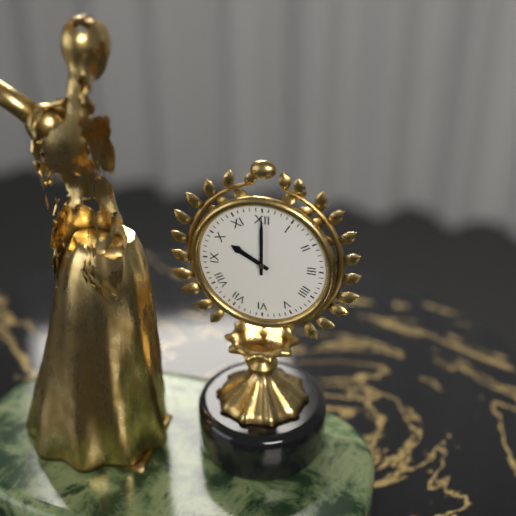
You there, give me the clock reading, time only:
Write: 10:00
